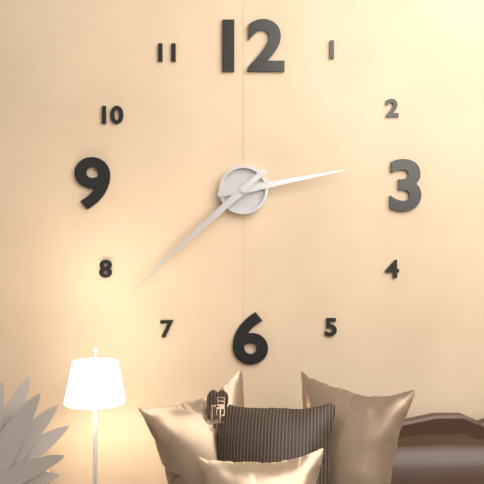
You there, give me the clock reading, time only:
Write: 2:38
